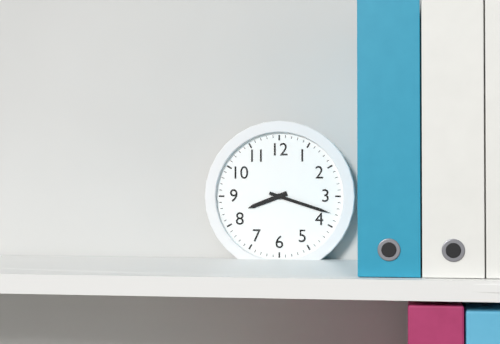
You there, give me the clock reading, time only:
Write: 8:18
